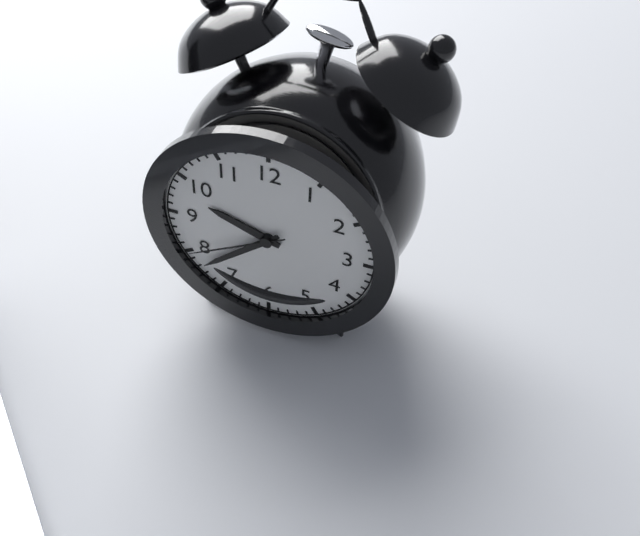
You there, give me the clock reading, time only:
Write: 9:38:40
